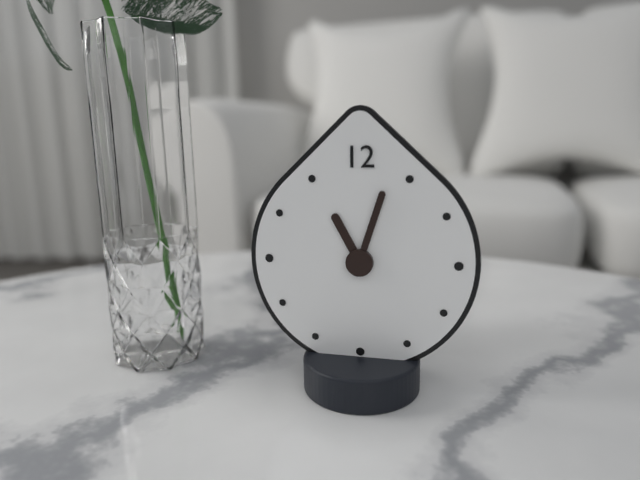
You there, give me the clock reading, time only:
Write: 11:03
